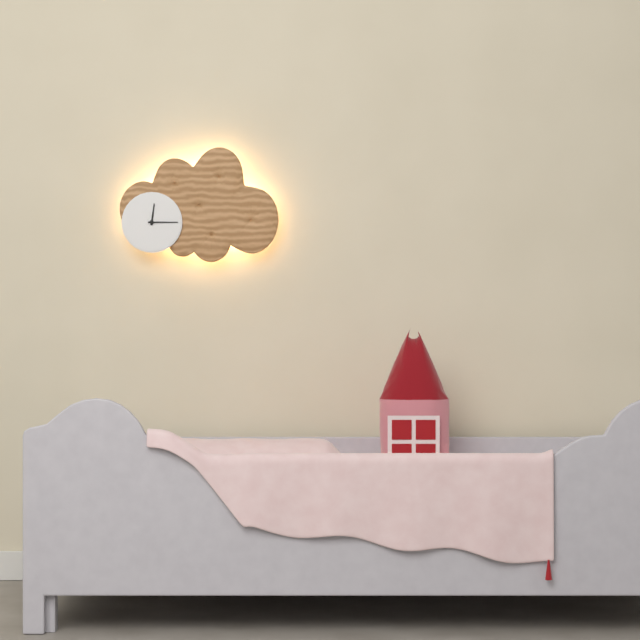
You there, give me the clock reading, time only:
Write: 12:15
